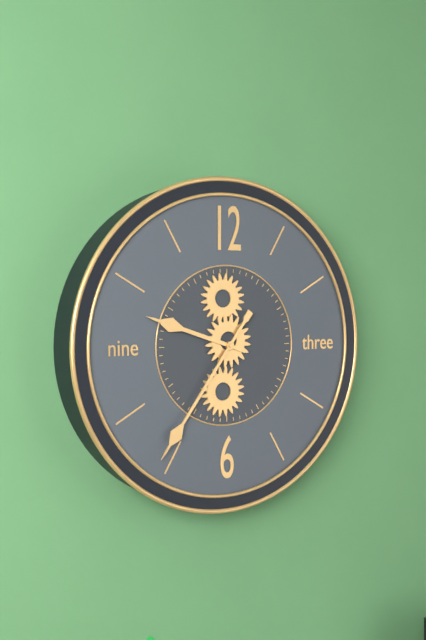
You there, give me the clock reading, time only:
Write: 9:36
